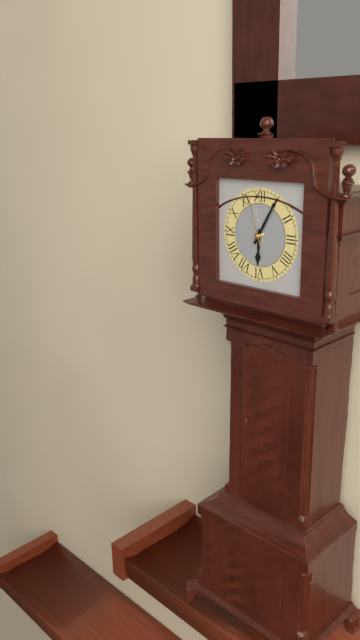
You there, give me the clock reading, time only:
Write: 6:05:57
